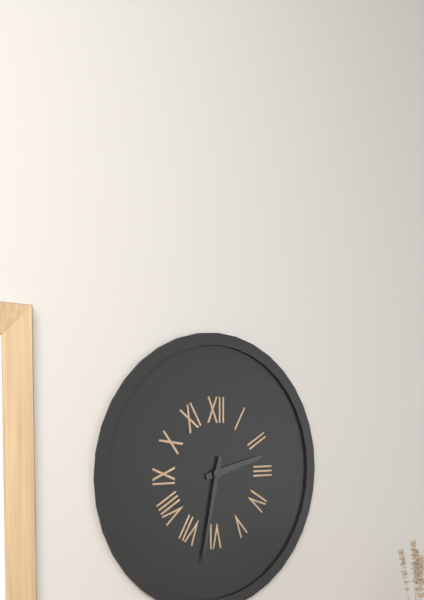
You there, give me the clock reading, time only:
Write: 2:32
